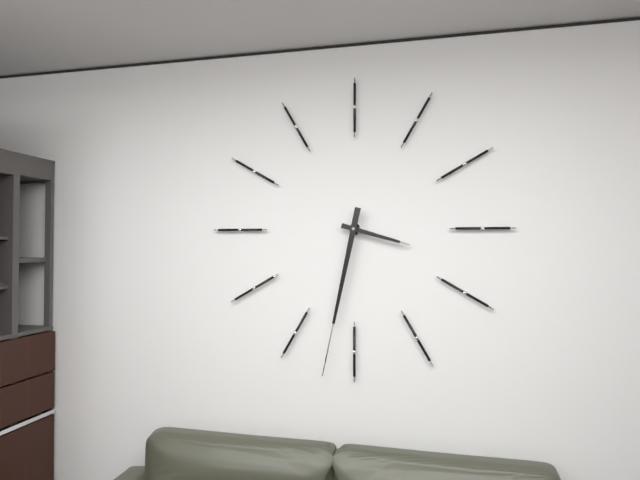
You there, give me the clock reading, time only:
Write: 3:32
